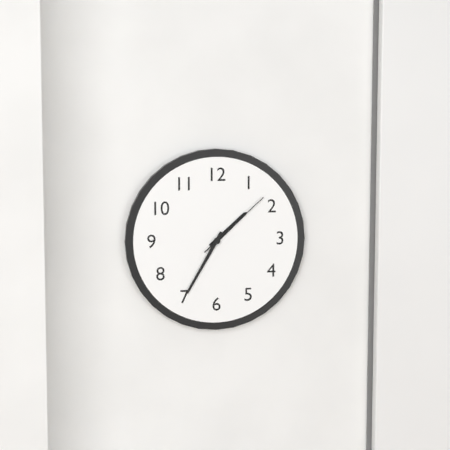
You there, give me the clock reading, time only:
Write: 1:35:08
